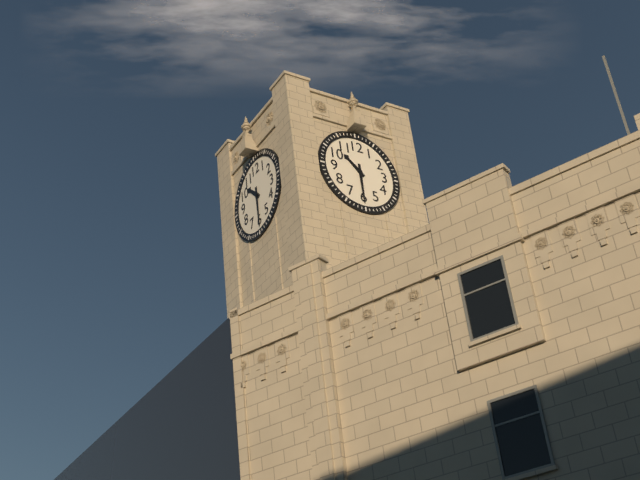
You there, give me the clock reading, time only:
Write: 10:30
